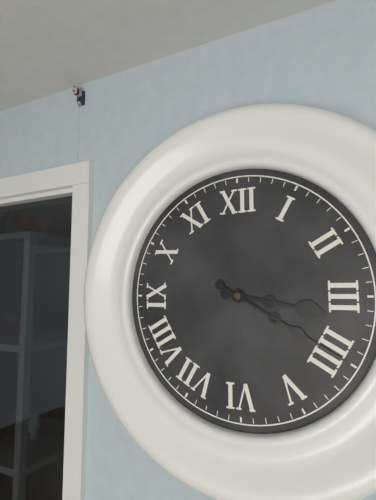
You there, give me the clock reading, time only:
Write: 3:20
